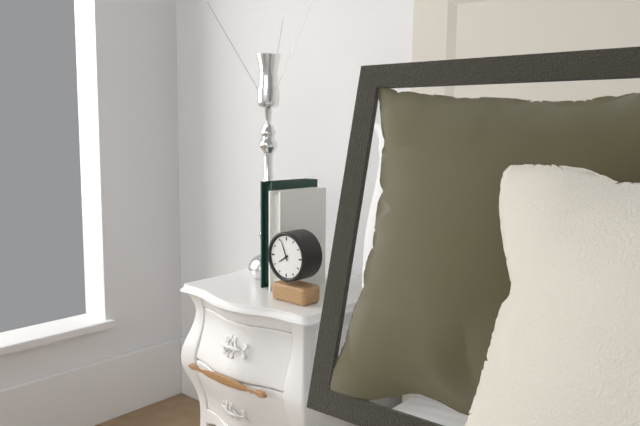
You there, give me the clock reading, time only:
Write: 7:56
